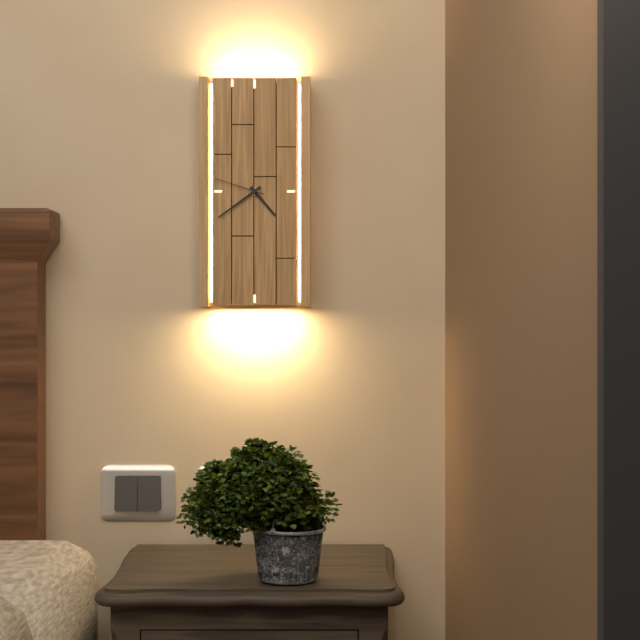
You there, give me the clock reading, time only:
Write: 4:39:48
